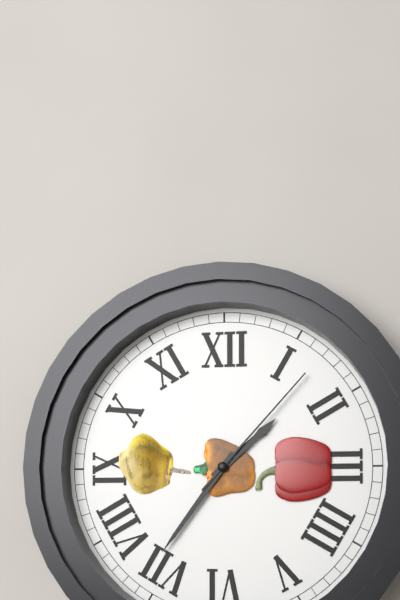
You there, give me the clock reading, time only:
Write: 1:36:07
